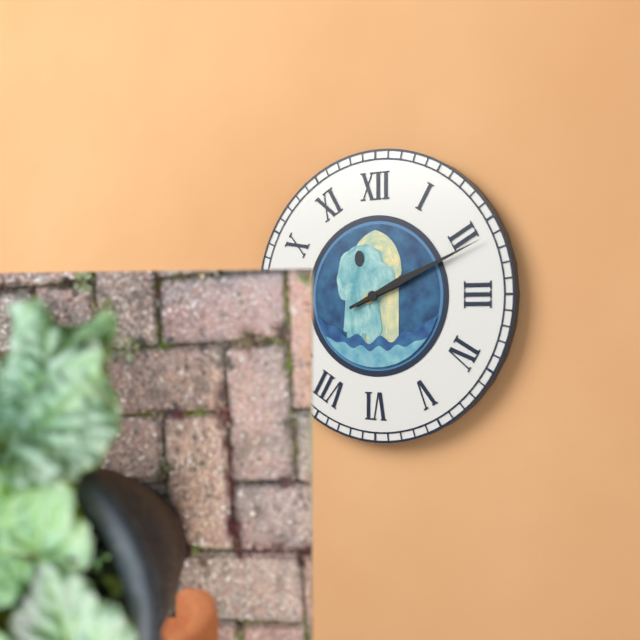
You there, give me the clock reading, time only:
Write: 2:11
